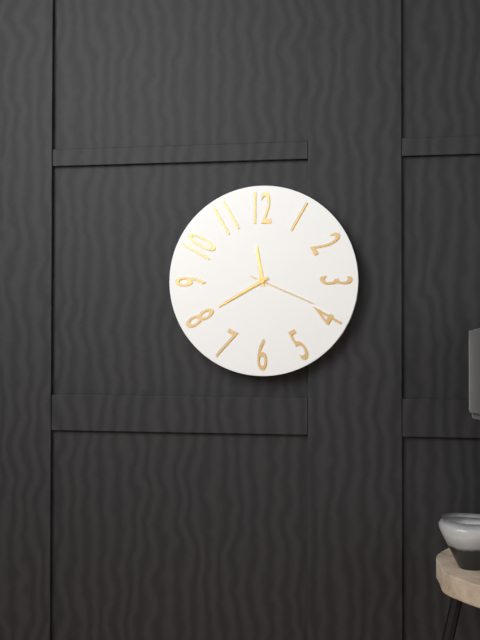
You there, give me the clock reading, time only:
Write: 11:40:19
